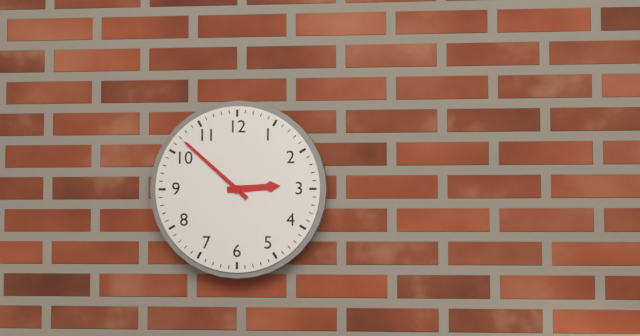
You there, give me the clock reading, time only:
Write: 2:52
